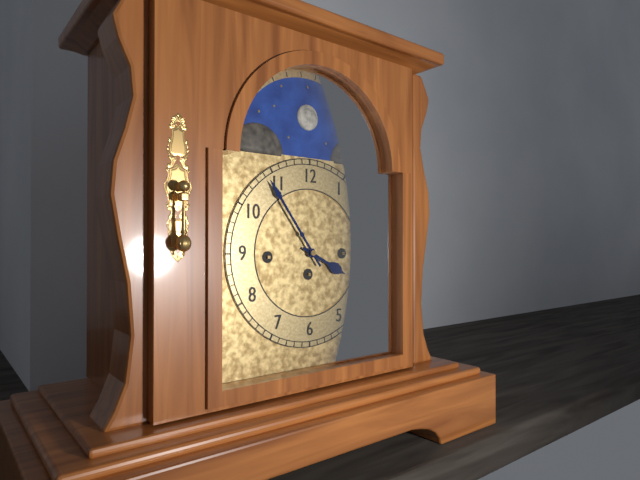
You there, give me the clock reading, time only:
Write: 3:54
